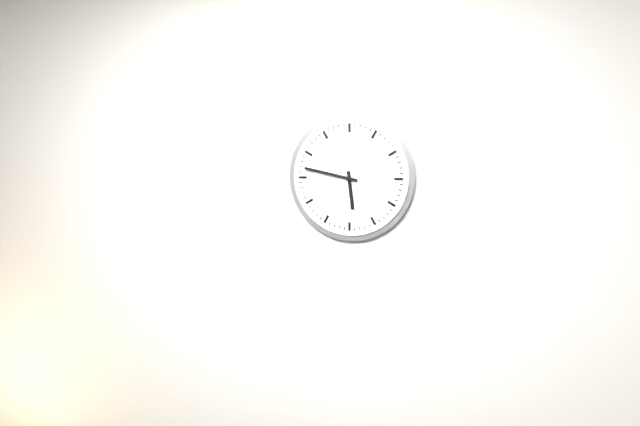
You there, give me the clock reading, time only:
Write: 5:47
